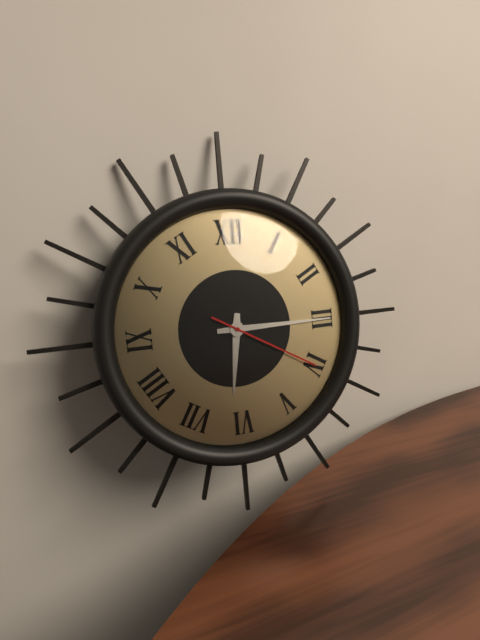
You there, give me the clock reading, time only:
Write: 6:15:20
